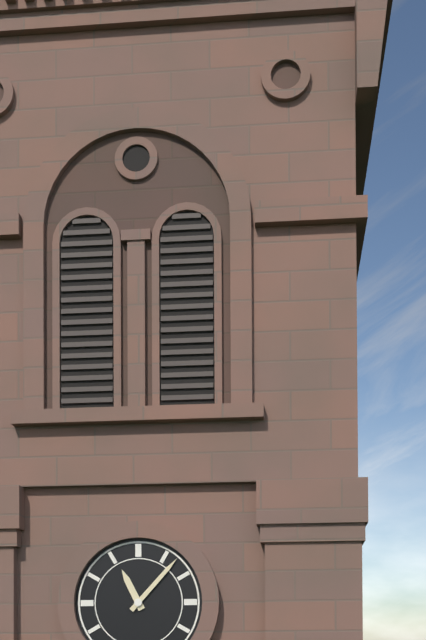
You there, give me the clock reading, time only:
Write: 11:07
